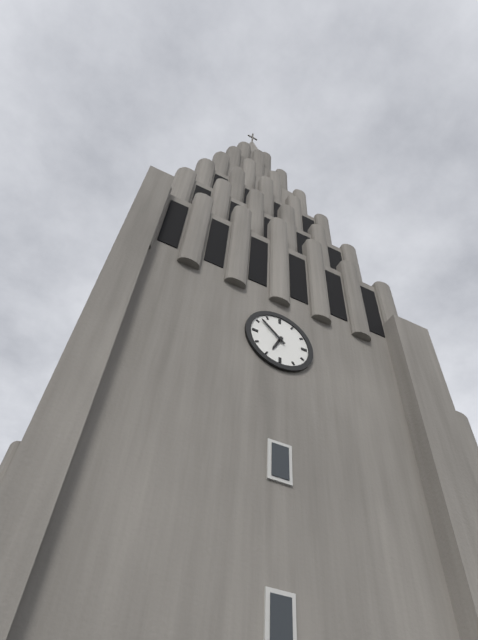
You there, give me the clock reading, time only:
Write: 6:52
